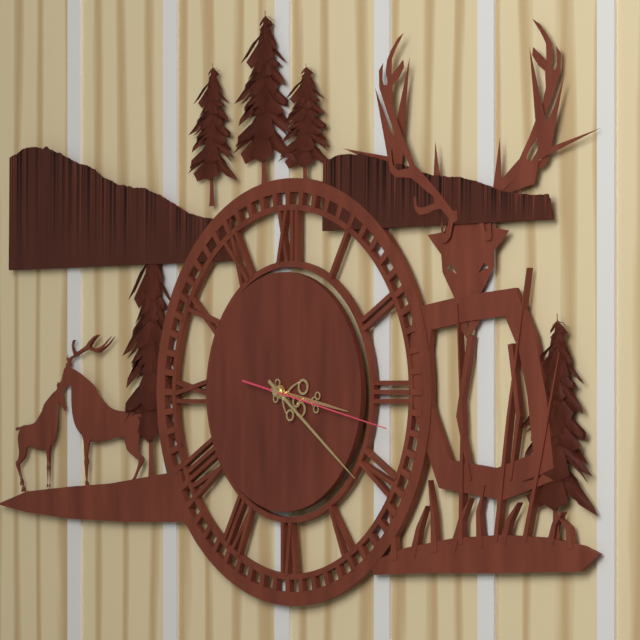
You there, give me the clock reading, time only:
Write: 3:21:17
